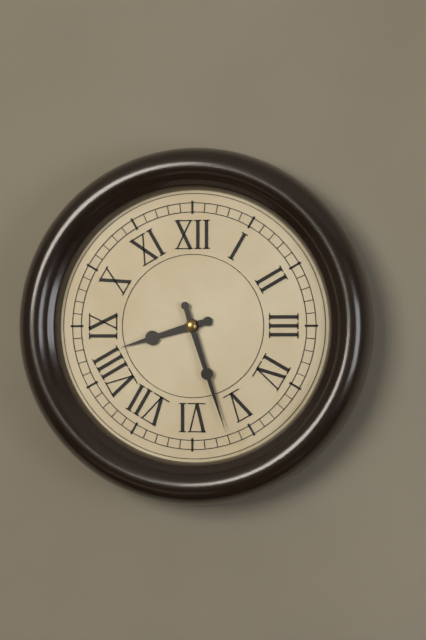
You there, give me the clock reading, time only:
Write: 8:27
